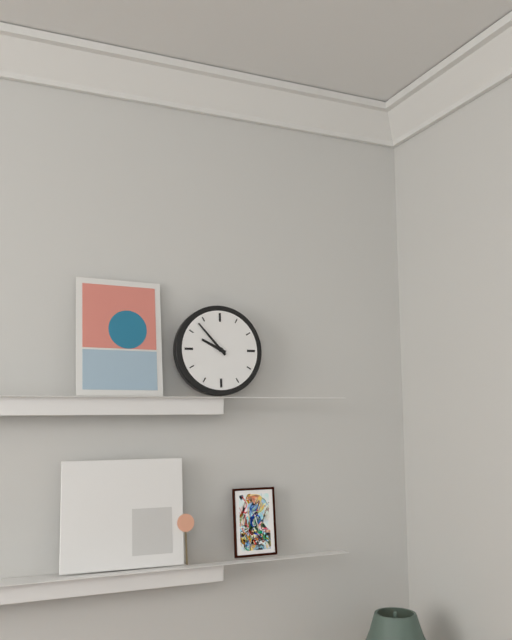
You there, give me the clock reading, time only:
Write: 9:53
